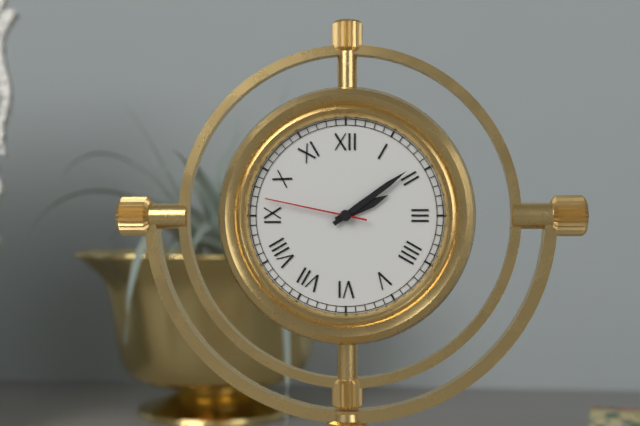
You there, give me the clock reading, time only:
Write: 2:09:47
